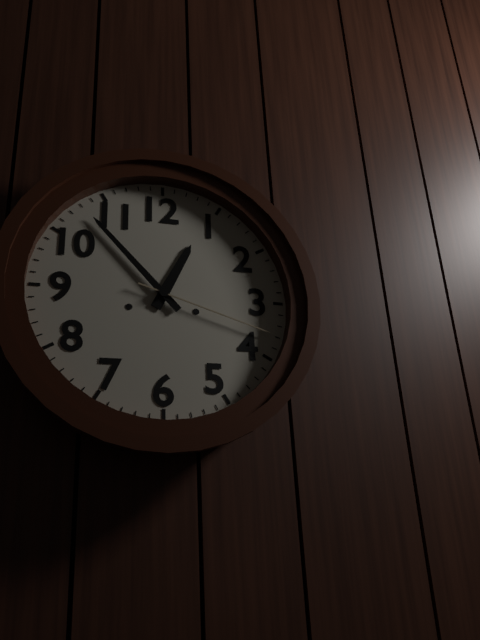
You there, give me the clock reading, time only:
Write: 12:53:18
